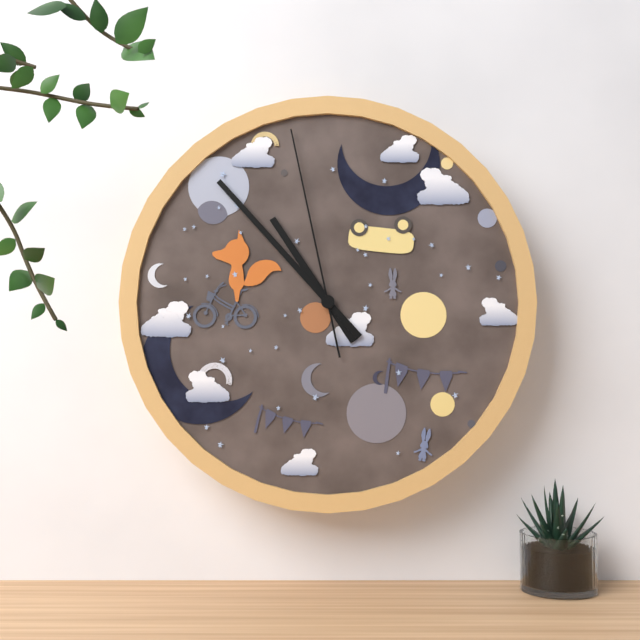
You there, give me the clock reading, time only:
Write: 10:53:58
